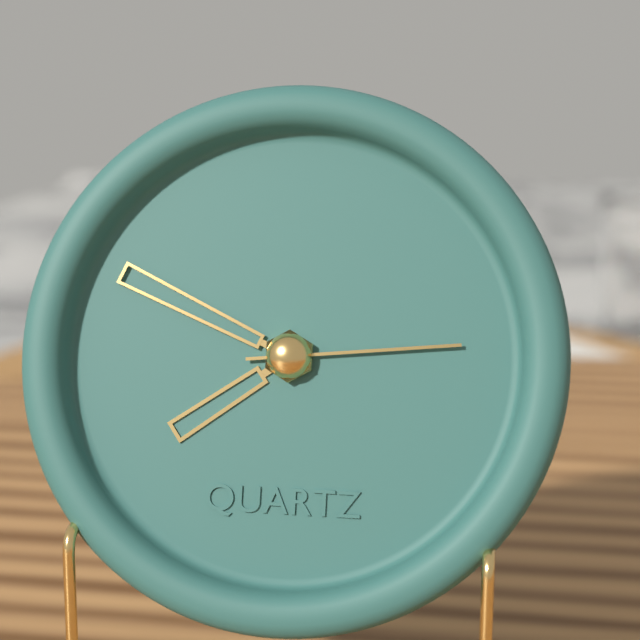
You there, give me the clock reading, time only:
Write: 7:49:14
